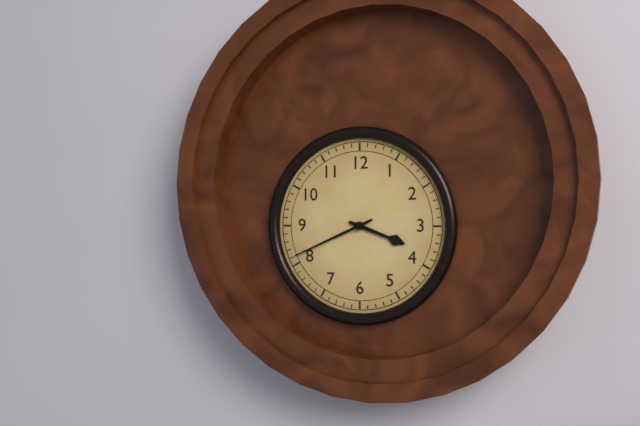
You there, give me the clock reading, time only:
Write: 3:41
